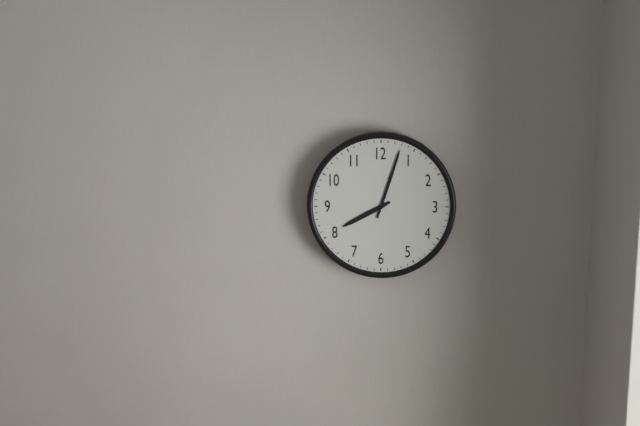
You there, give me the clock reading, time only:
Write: 8:03
